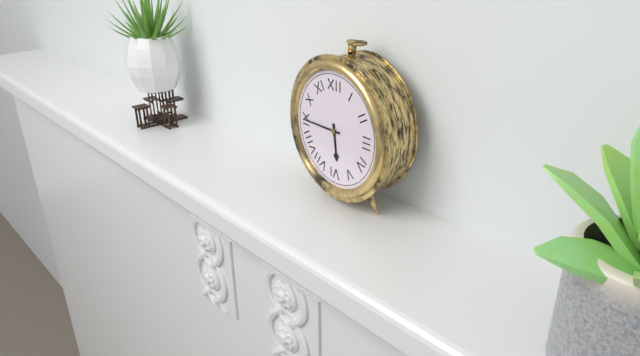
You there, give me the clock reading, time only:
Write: 5:45
